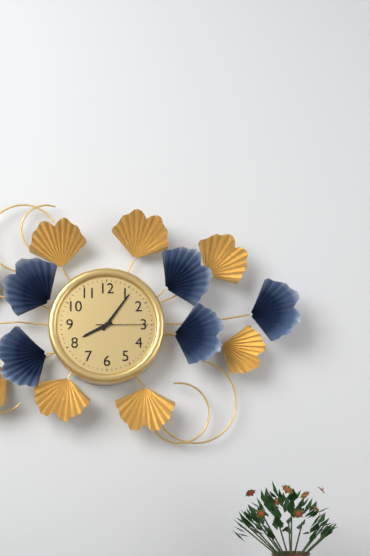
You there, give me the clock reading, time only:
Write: 8:06:15
